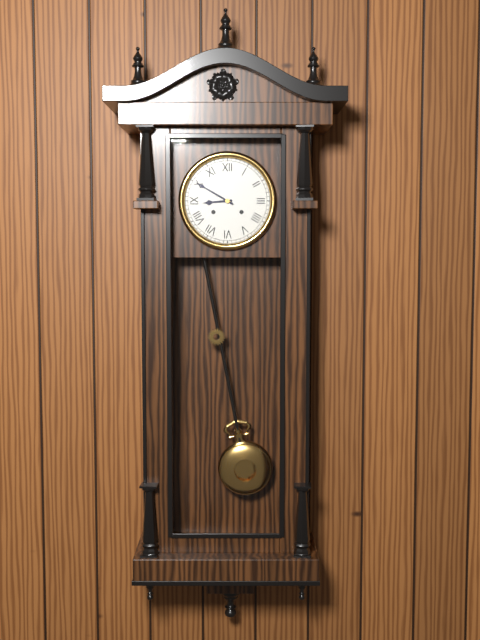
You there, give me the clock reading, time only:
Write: 8:50
